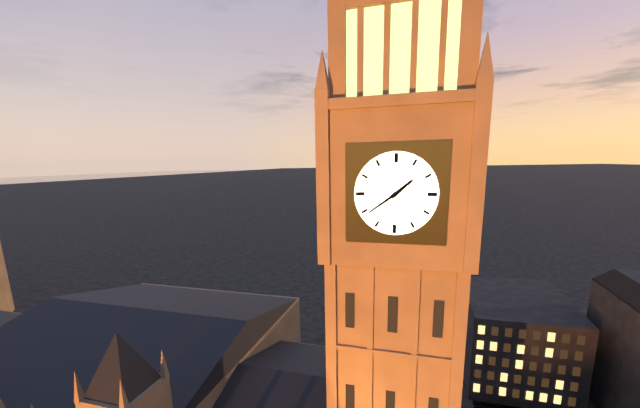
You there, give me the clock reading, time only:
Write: 1:39
